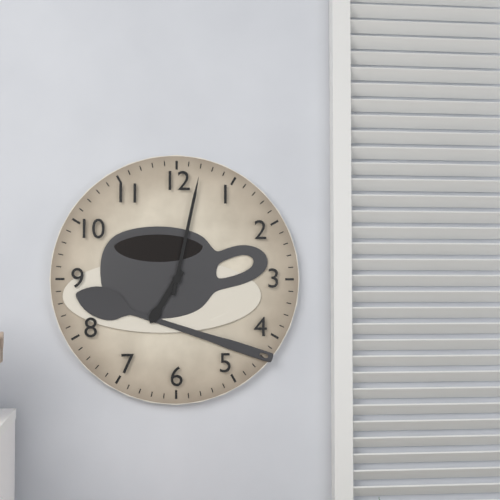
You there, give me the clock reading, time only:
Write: 7:02
